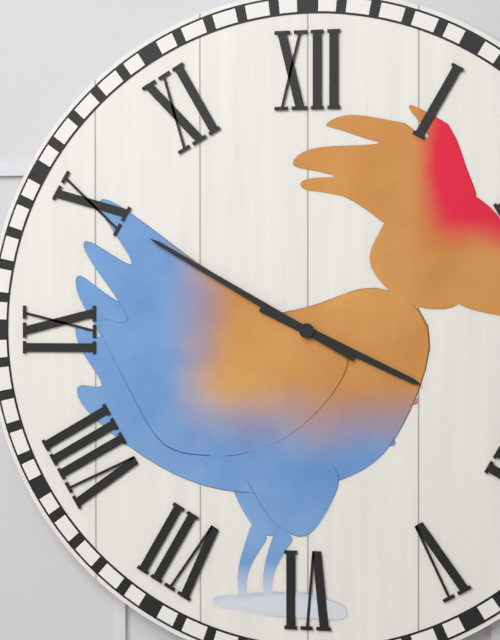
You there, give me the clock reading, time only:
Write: 3:50
